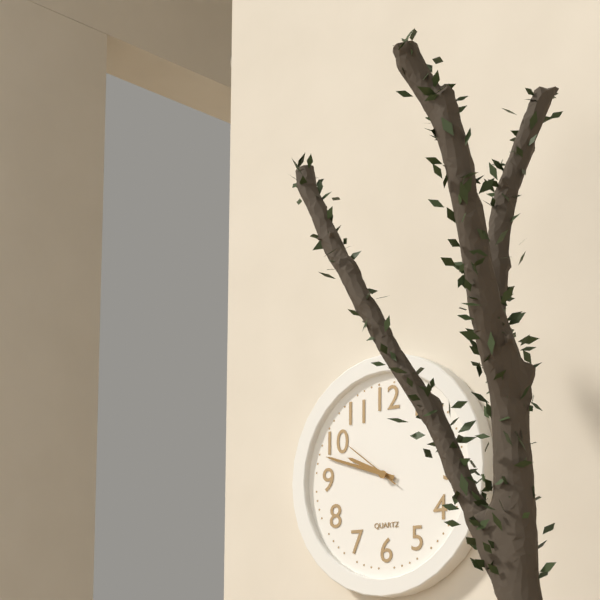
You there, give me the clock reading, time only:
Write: 9:48:51
